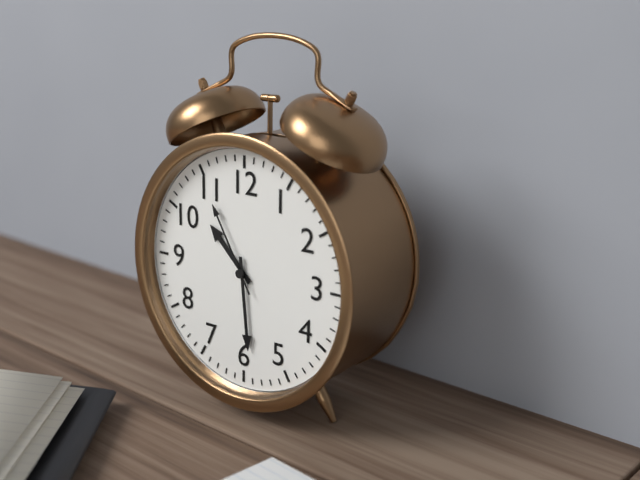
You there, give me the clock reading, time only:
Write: 10:29:55
